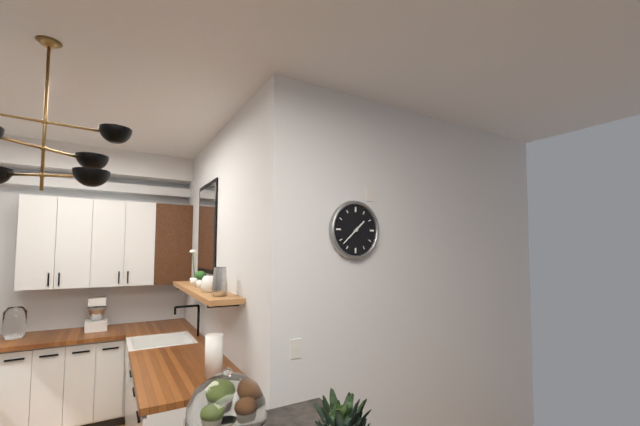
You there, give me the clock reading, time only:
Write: 1:38
